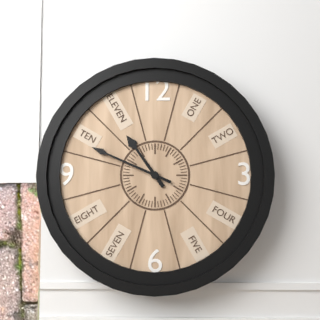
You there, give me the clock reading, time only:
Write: 10:49
